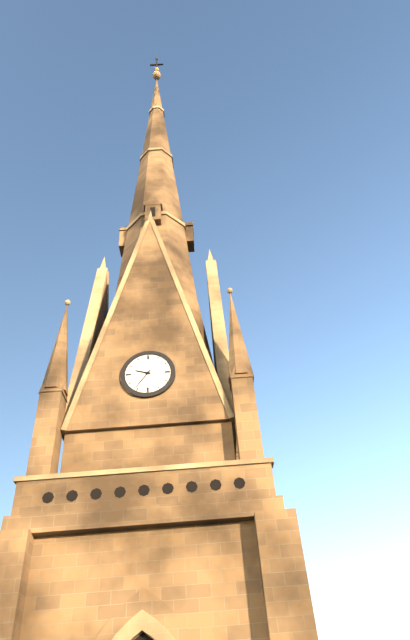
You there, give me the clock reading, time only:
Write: 9:36
